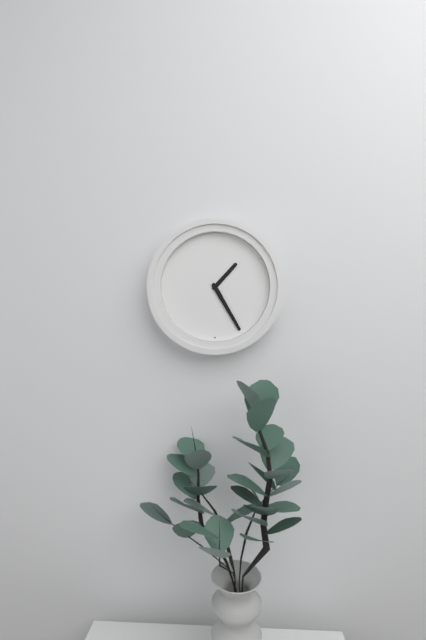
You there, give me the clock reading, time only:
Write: 1:25
